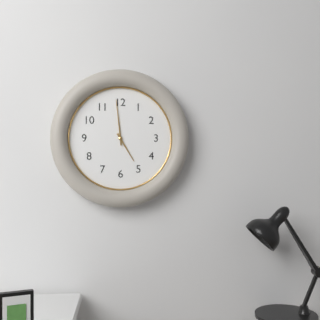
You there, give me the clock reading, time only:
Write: 4:59
